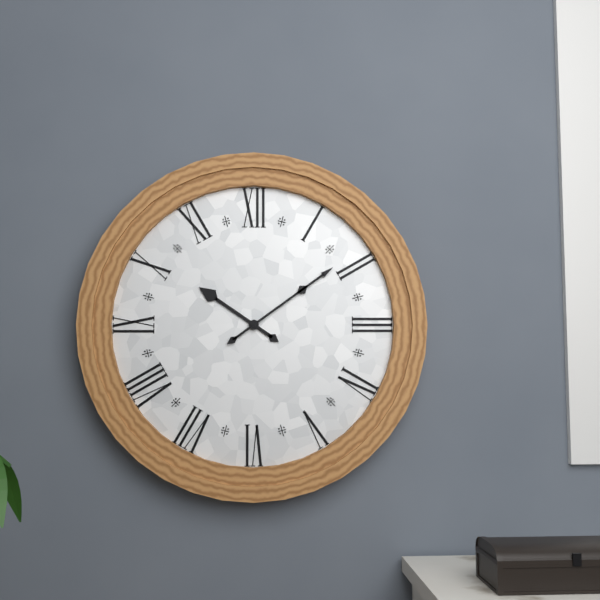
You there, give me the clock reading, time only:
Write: 10:09
